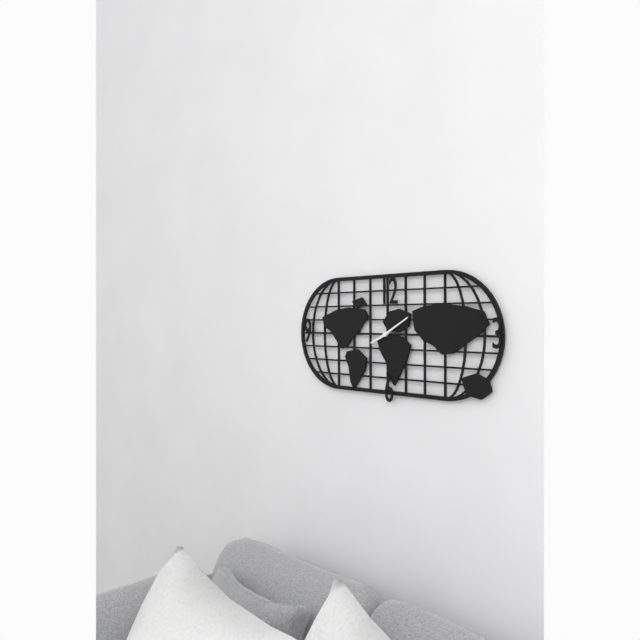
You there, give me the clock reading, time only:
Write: 8:10
